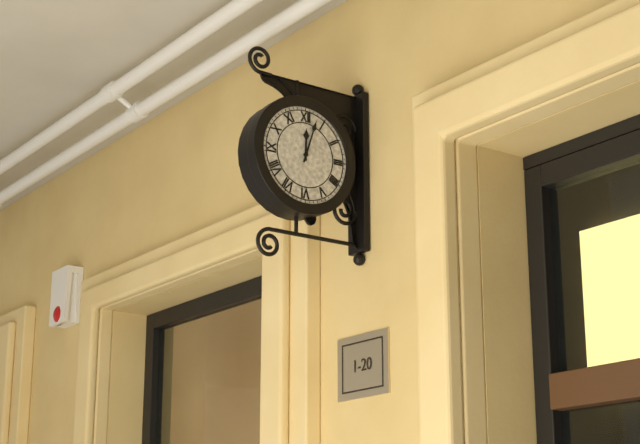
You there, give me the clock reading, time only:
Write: 12:03
